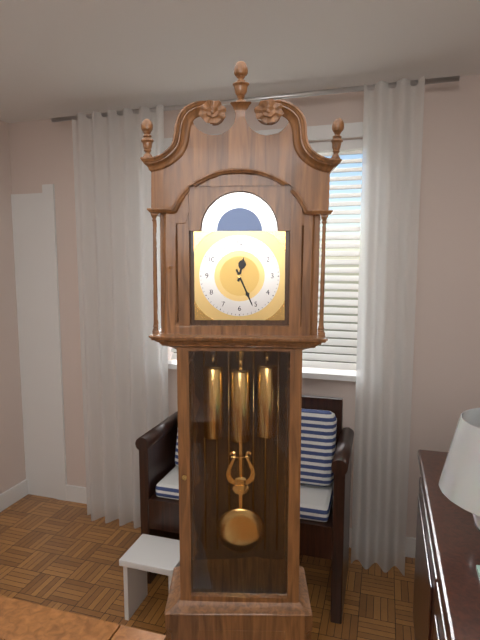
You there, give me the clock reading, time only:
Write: 12:26
